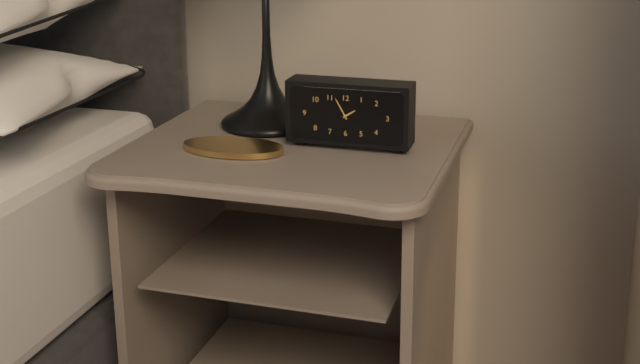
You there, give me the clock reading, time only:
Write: 1:55
